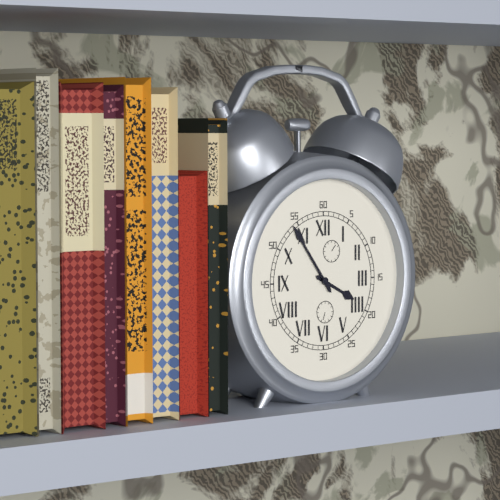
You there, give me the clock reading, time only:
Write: 3:54
